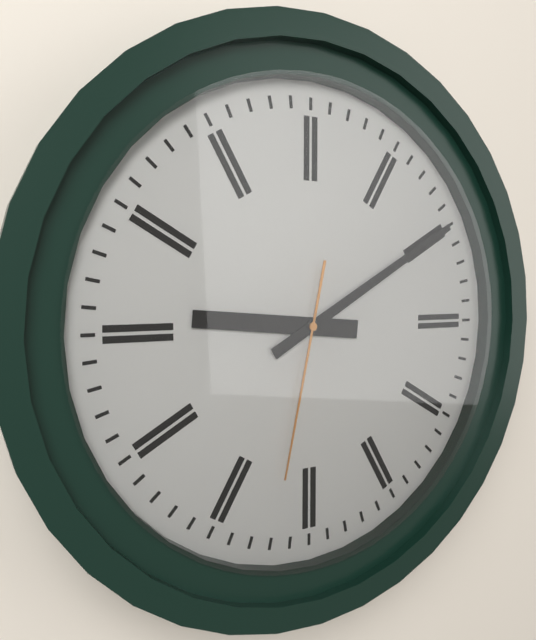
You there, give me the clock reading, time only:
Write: 9:10:32
